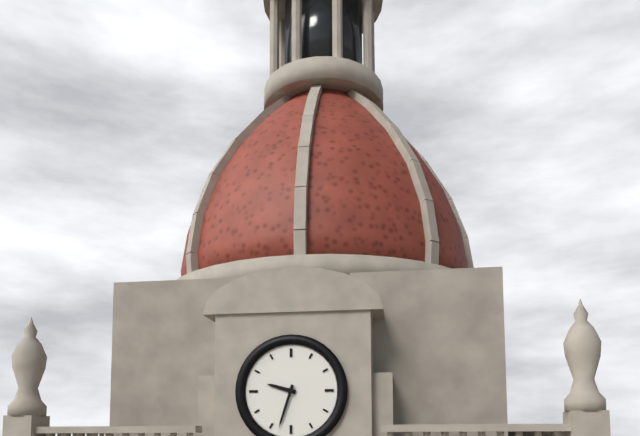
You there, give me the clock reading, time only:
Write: 9:33
